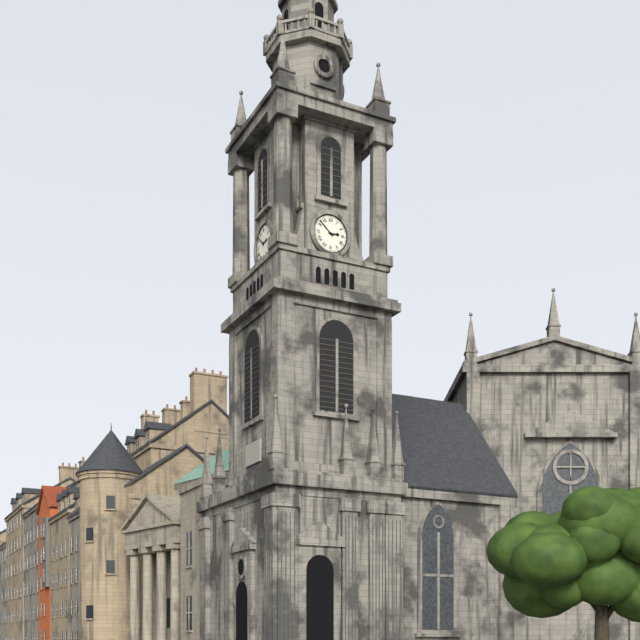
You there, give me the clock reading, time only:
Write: 2:52
